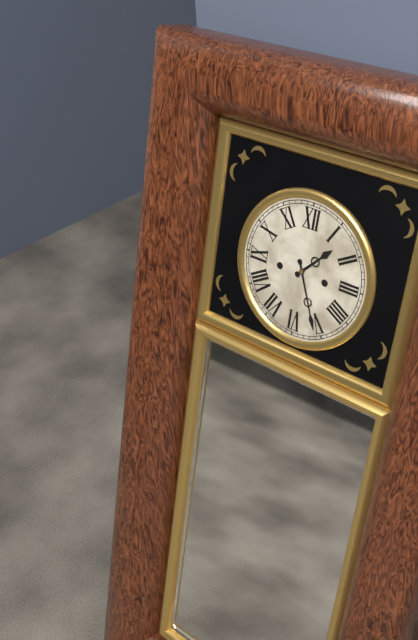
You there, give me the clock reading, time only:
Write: 1:26
